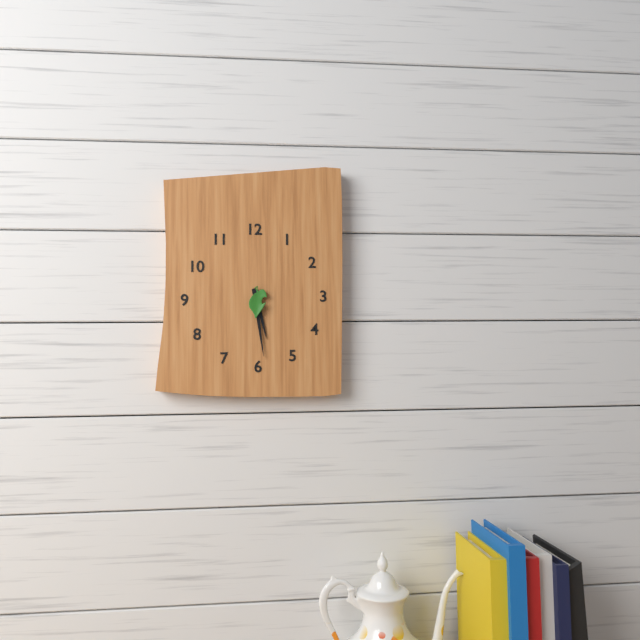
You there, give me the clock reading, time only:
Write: 5:29
